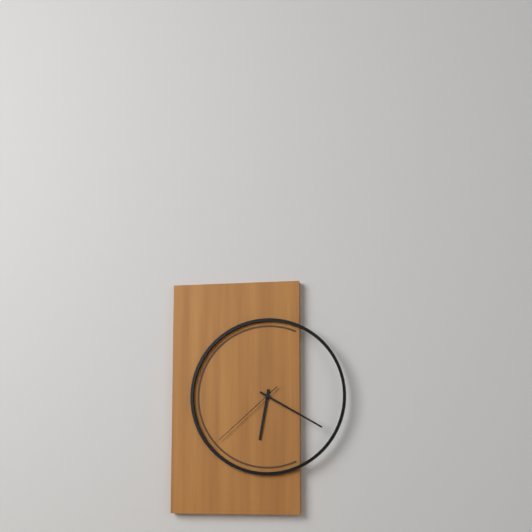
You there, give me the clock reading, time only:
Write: 6:20:38
